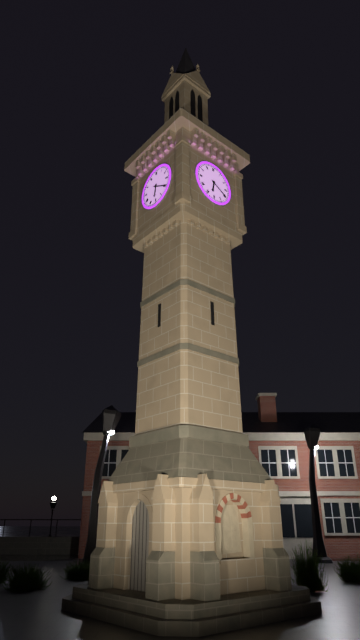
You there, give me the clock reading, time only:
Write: 6:20
